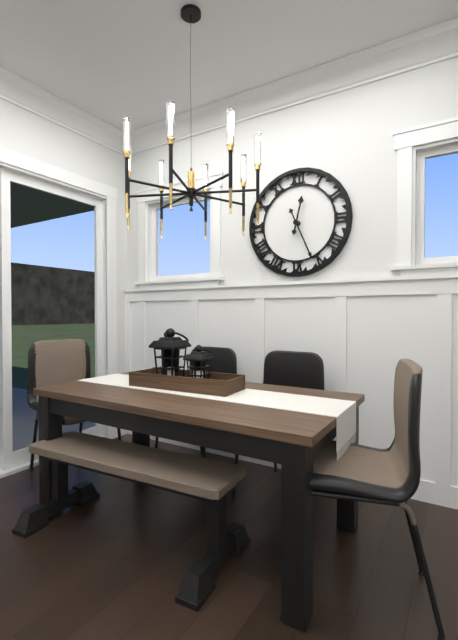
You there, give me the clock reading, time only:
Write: 12:26
